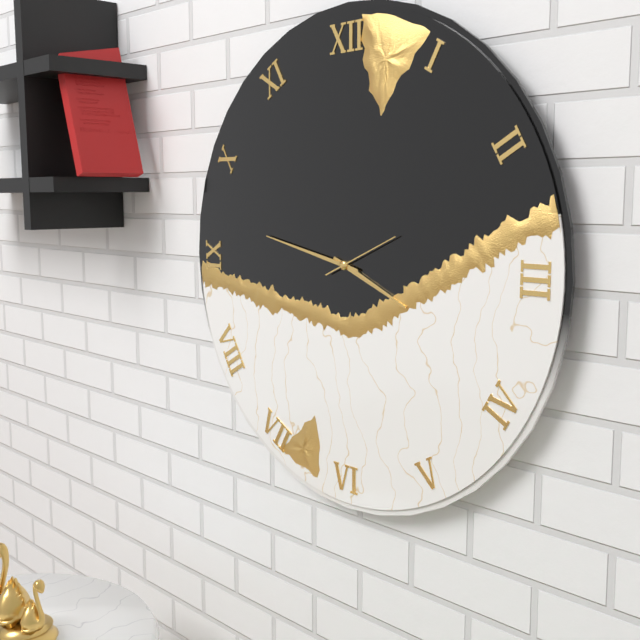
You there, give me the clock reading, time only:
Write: 3:47:11
